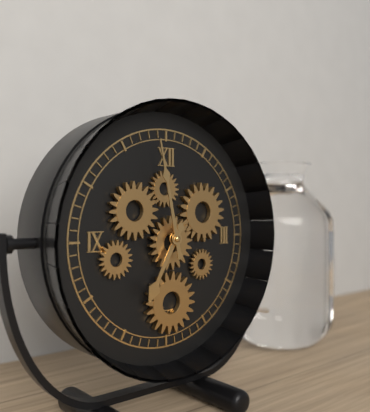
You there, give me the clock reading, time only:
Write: 6:58
